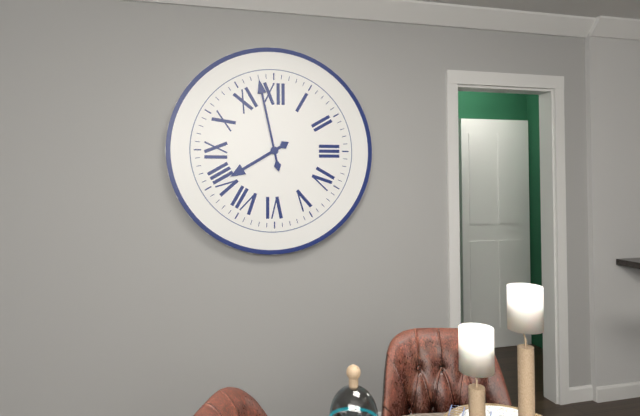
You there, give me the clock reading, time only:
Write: 7:58
